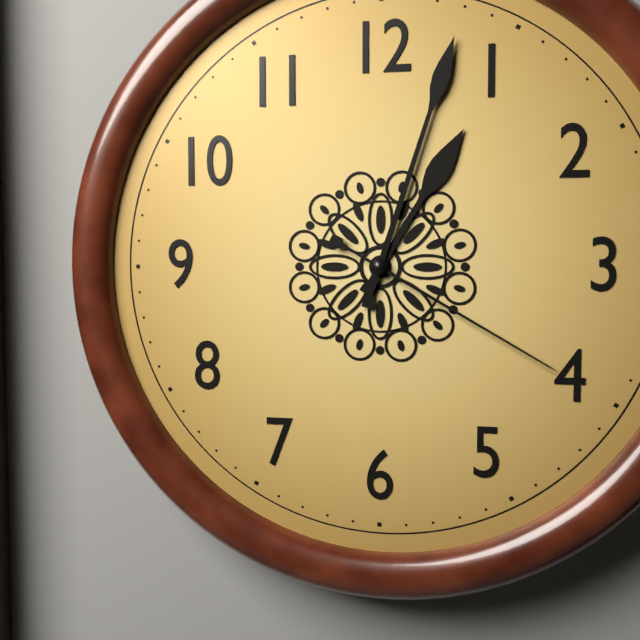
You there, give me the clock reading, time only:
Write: 1:03:20
